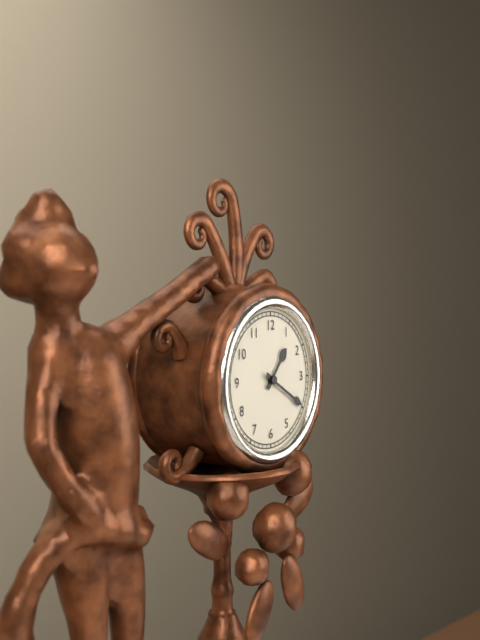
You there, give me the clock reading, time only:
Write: 1:20
